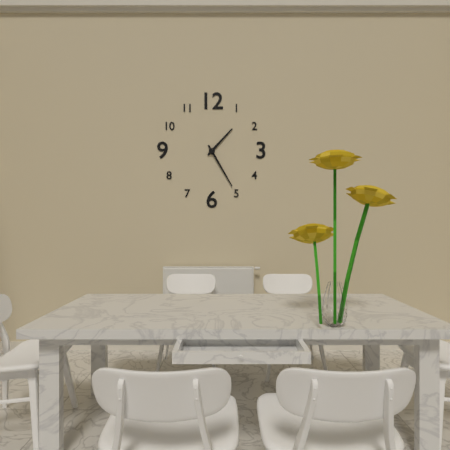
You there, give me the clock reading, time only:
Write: 1:25
